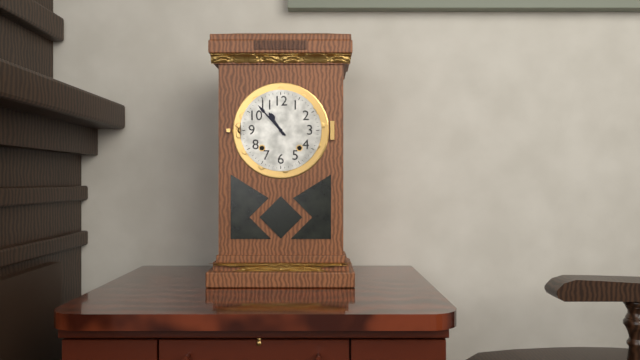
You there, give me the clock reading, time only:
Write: 10:53
